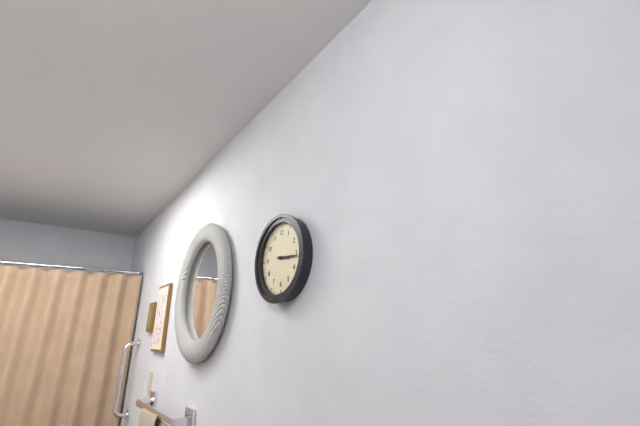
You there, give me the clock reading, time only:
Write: 3:16
